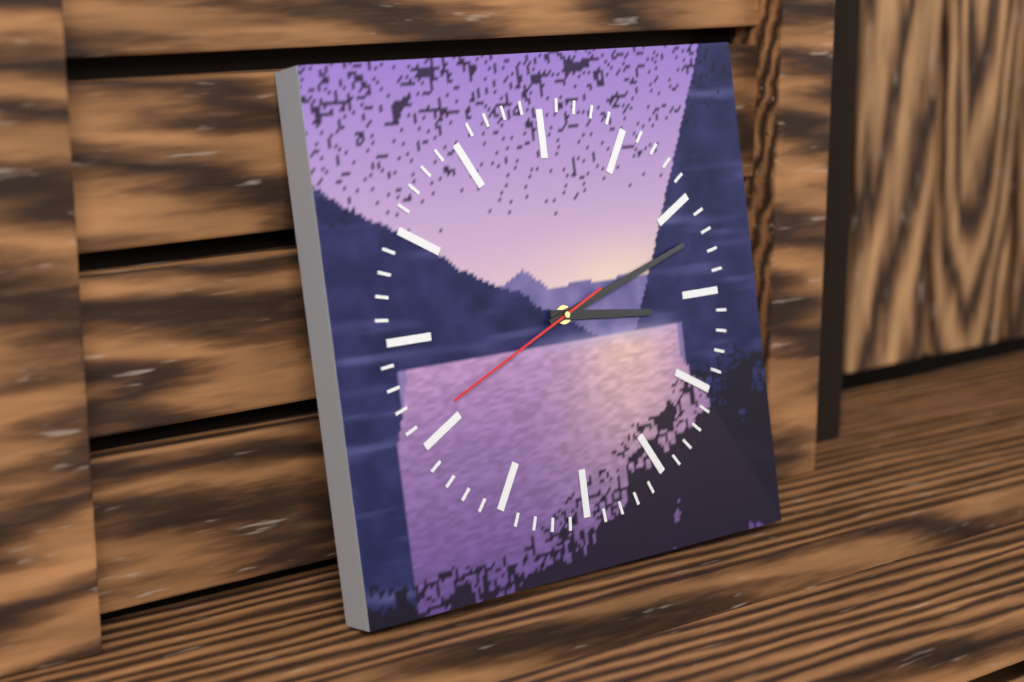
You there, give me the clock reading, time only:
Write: 3:12:41
